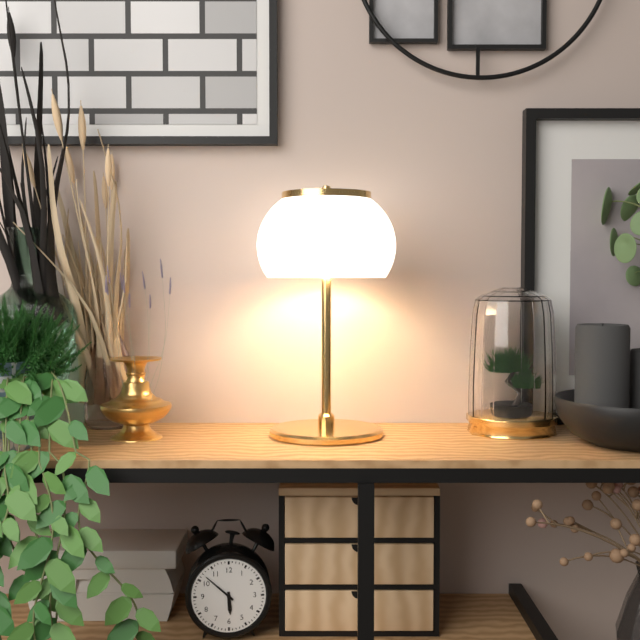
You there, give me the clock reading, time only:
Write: 5:52
